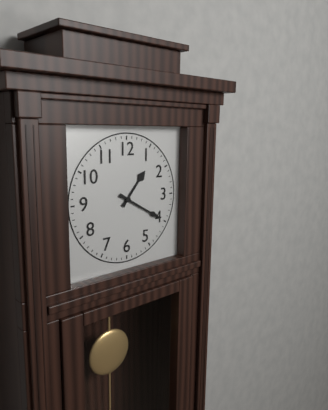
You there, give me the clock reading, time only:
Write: 1:20
